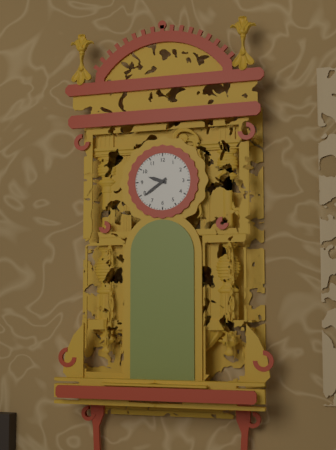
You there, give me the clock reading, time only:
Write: 9:39
